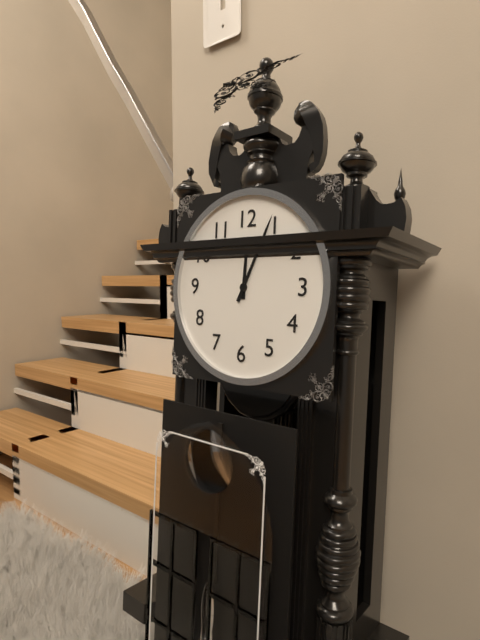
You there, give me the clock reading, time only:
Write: 12:04
